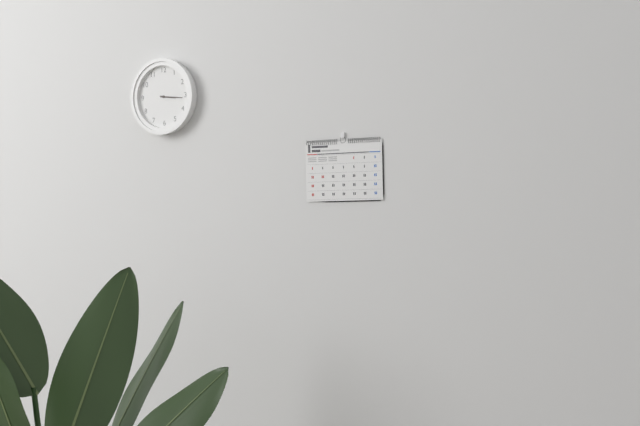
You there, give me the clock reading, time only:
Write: 3:16
